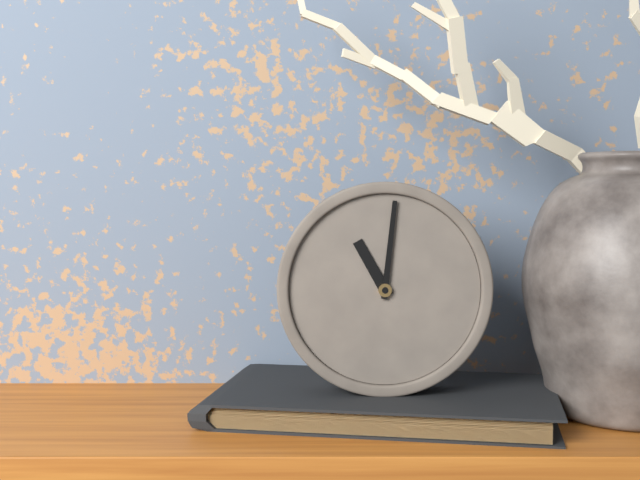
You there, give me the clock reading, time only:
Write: 11:01
